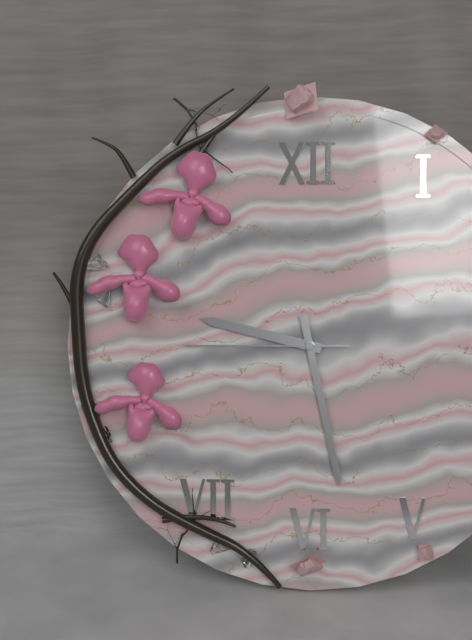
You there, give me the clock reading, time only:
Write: 9:28:45
